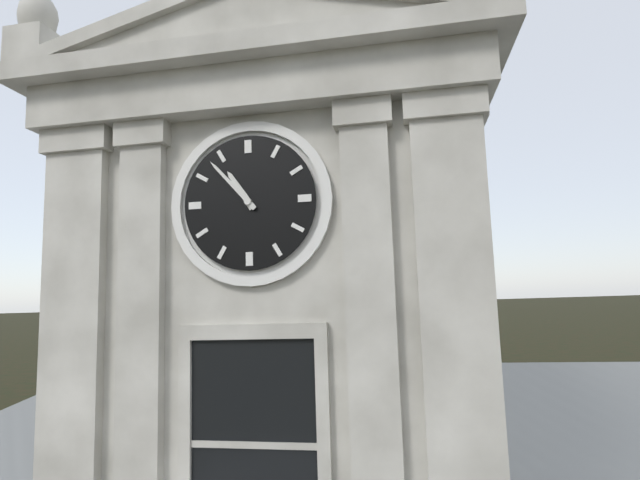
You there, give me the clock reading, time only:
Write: 10:53
